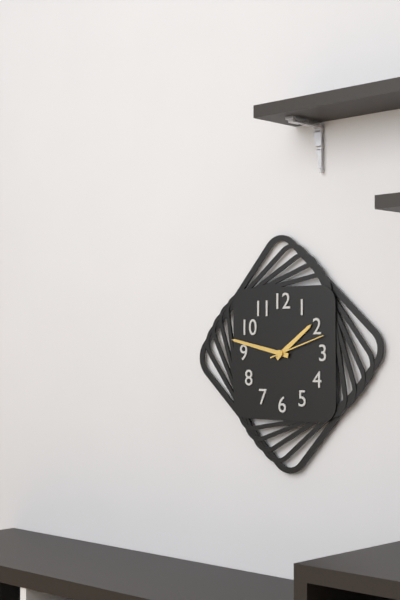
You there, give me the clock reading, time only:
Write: 1:47
